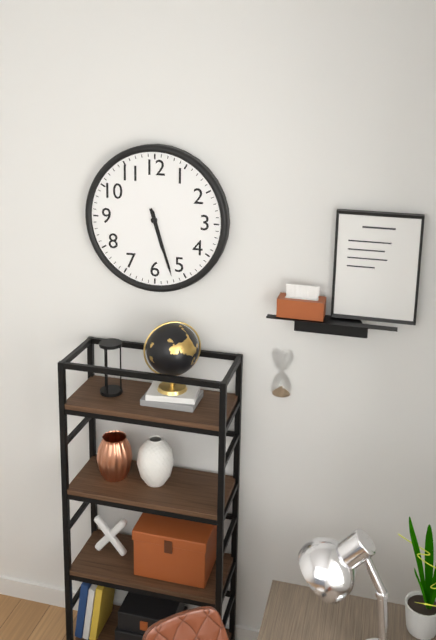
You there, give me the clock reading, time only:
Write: 5:27
